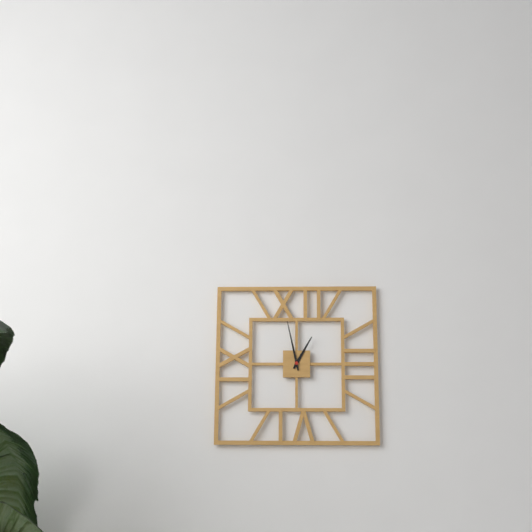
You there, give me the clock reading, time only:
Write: 12:58
